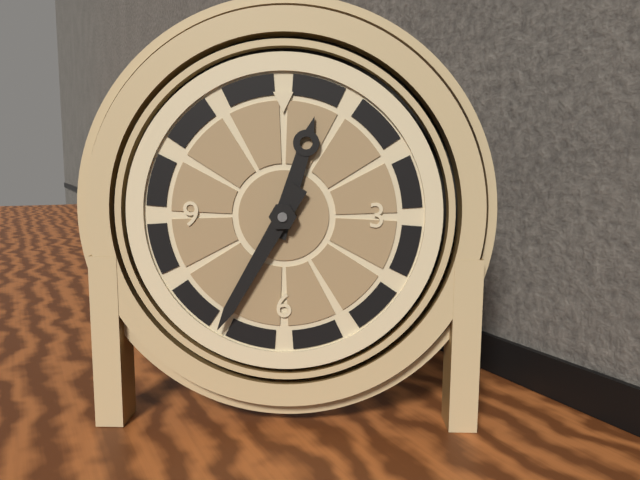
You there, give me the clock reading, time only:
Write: 12:35
